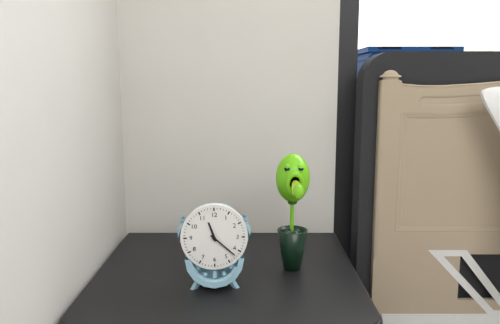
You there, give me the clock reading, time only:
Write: 11:22
